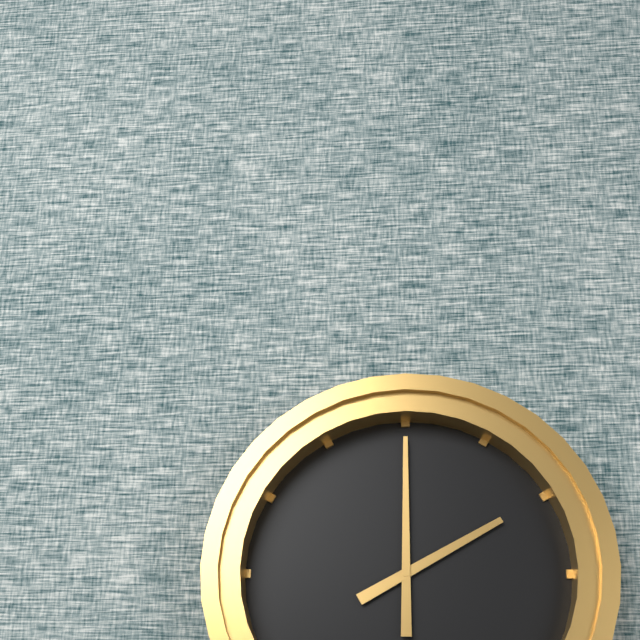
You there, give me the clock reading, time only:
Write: 2:00
